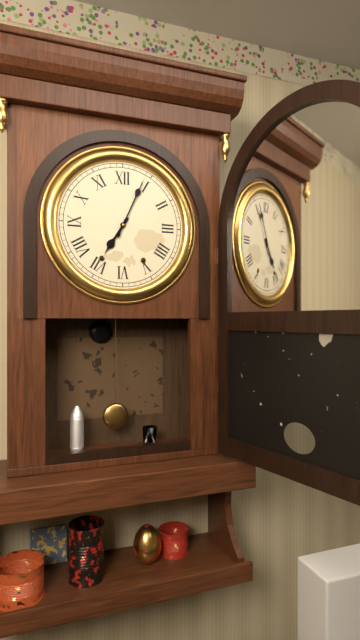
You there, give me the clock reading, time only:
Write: 7:04
